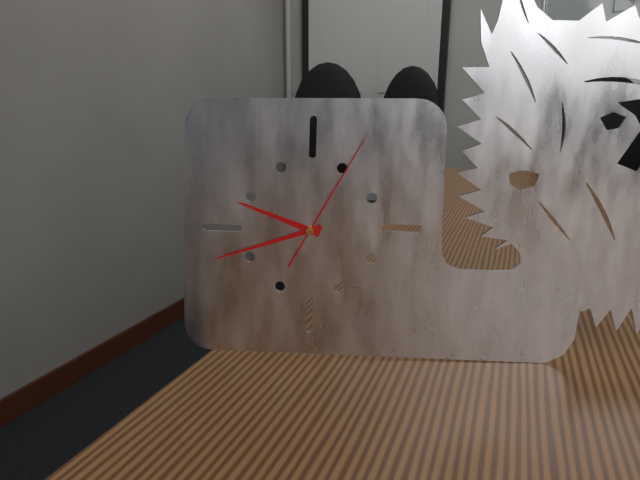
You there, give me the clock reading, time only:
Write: 9:42:05
